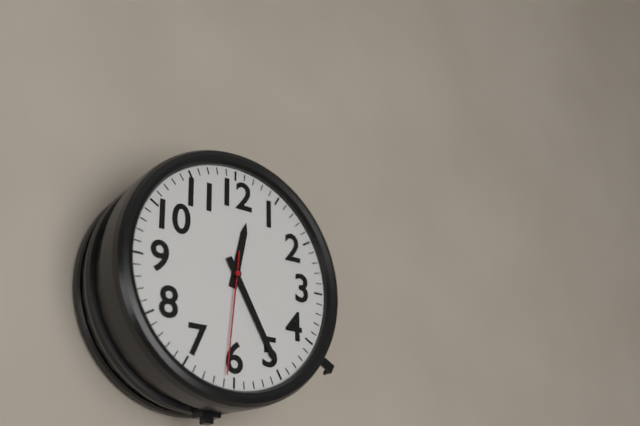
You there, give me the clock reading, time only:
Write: 12:25:31
